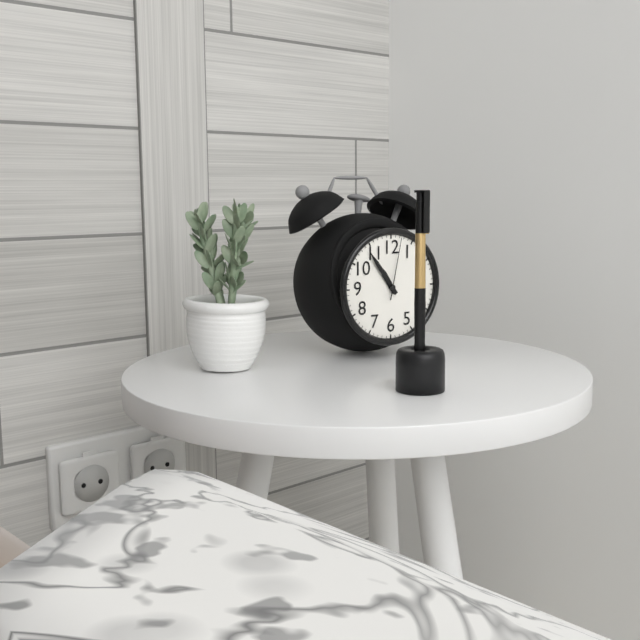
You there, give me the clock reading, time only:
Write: 10:54:02
